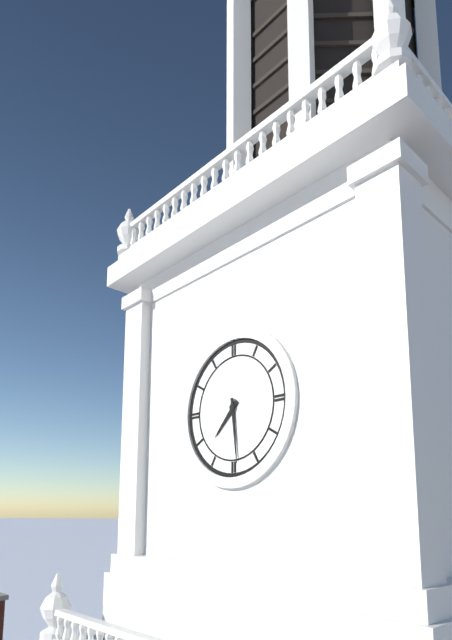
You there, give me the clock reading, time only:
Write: 7:29
